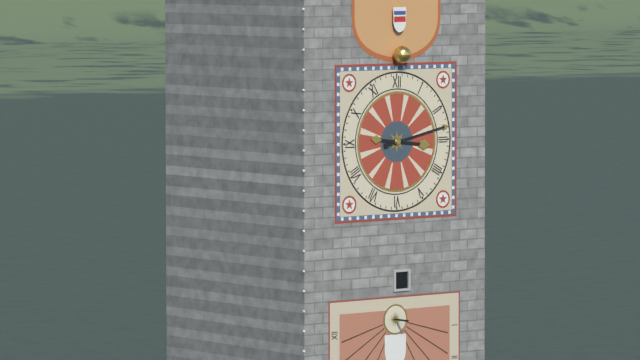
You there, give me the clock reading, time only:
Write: 3:13
